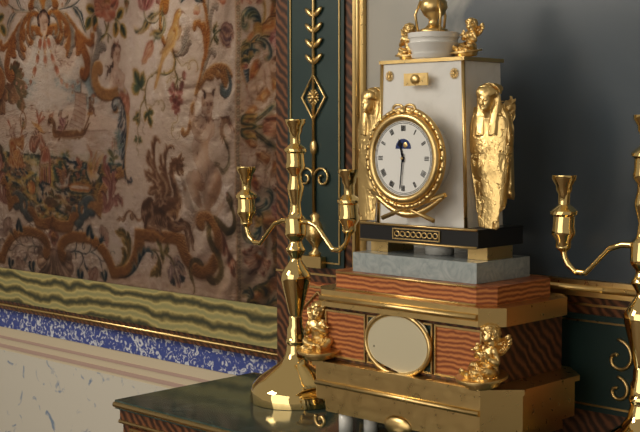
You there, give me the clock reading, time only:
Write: 11:31
